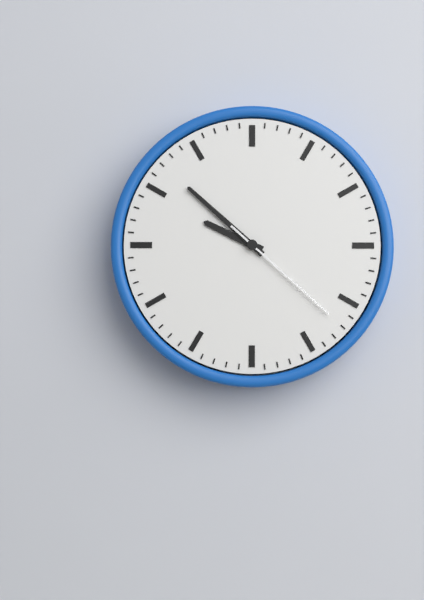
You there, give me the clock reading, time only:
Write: 9:52:22
